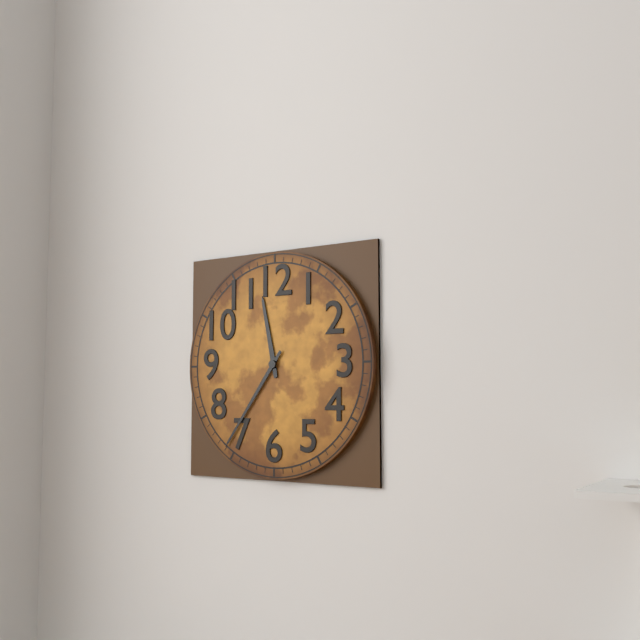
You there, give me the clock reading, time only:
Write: 11:36
